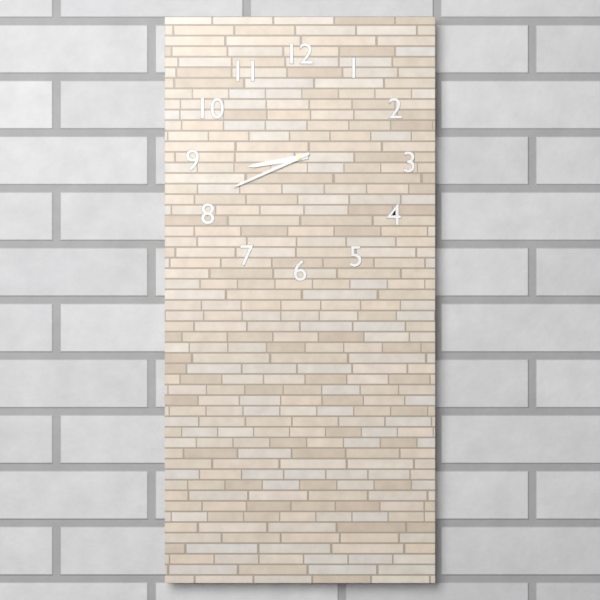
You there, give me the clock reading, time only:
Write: 8:41
